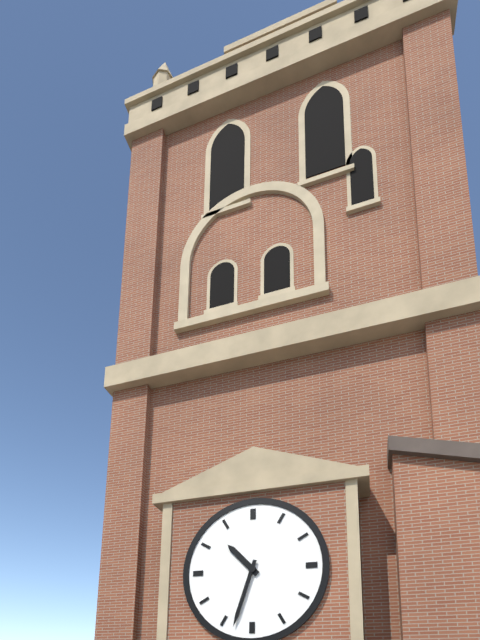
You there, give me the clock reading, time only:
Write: 10:33
